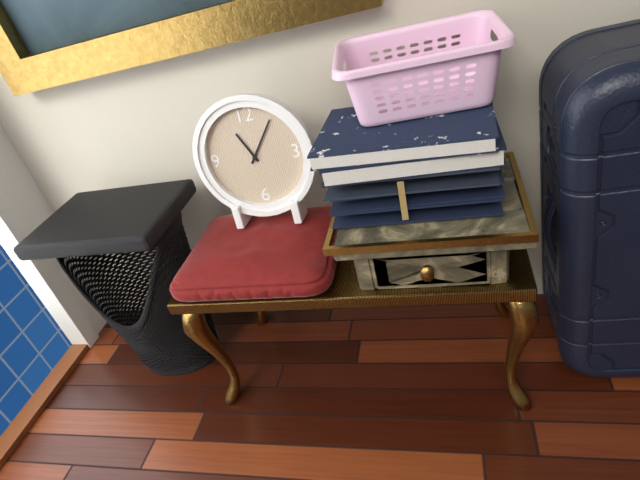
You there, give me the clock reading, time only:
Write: 11:06
